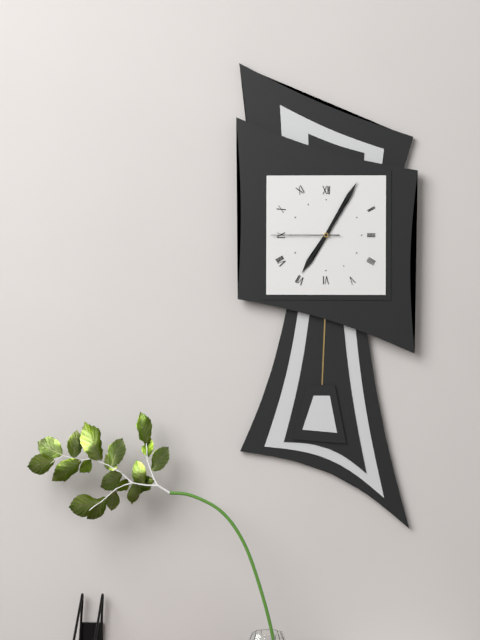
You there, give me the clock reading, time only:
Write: 7:05:45
